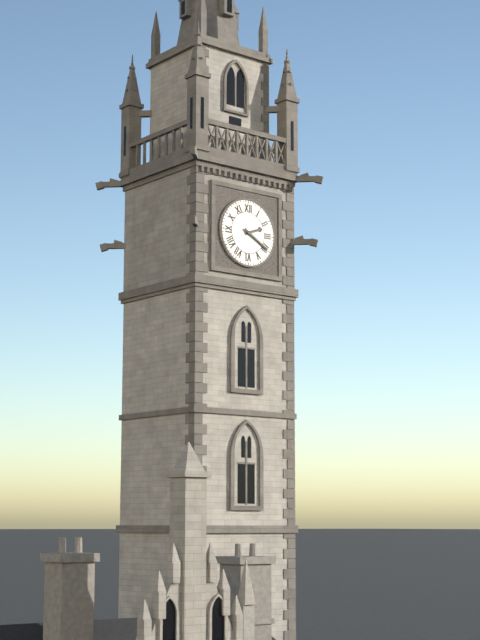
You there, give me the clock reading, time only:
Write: 2:20
